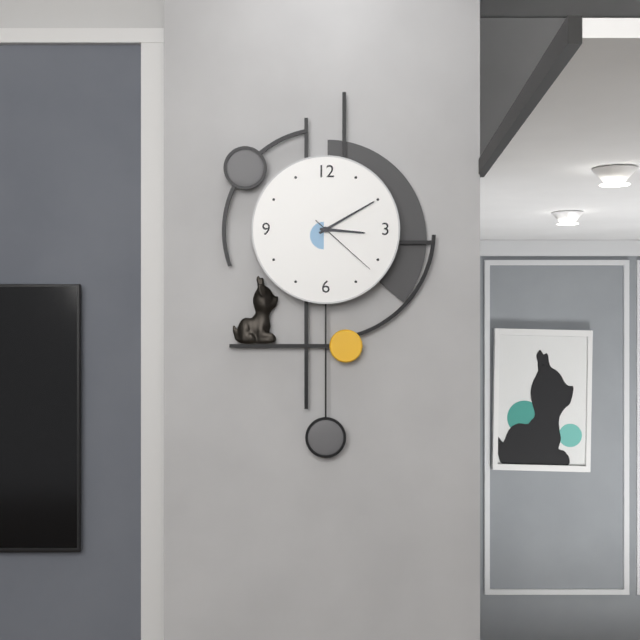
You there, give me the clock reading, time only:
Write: 3:10:22
